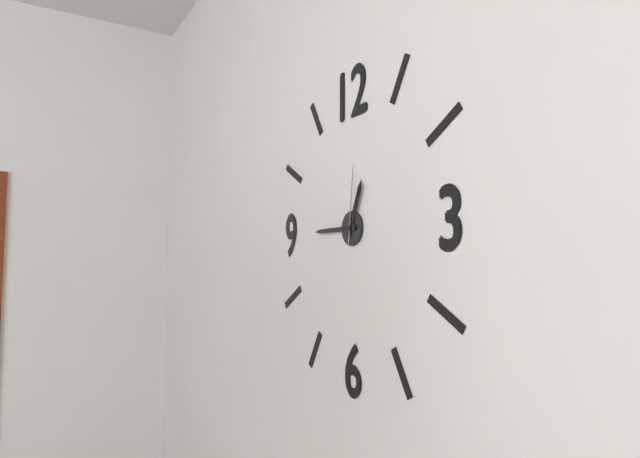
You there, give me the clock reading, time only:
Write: 12:45:01
